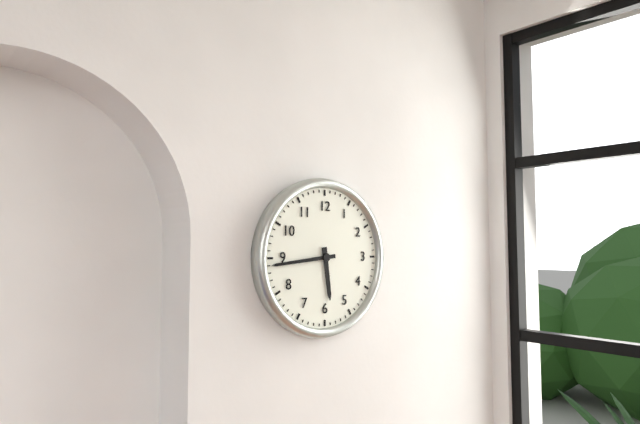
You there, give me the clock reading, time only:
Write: 5:44
